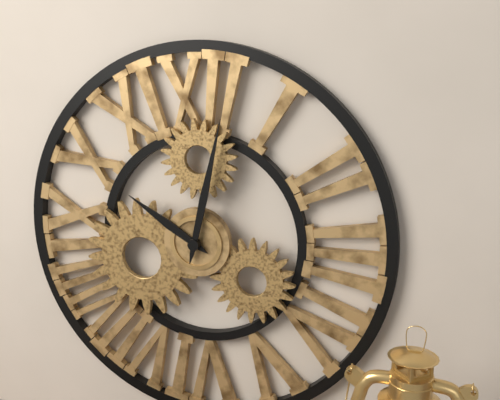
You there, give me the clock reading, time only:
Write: 10:02
